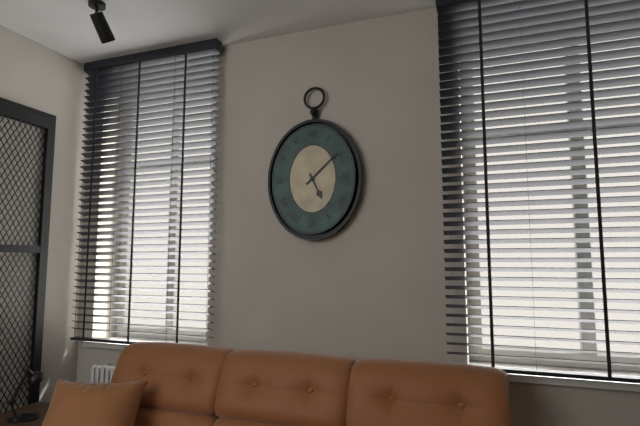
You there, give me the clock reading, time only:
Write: 5:08
